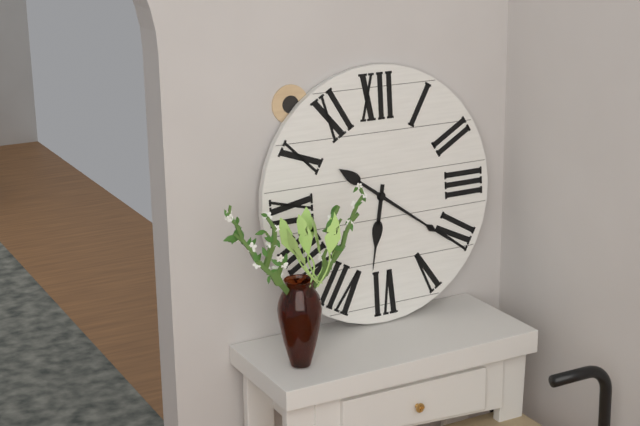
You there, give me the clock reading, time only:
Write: 6:21
